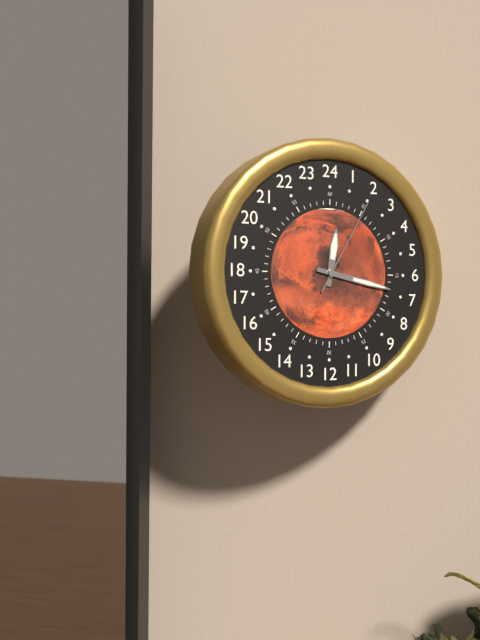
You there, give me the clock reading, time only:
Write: 12:17:05
